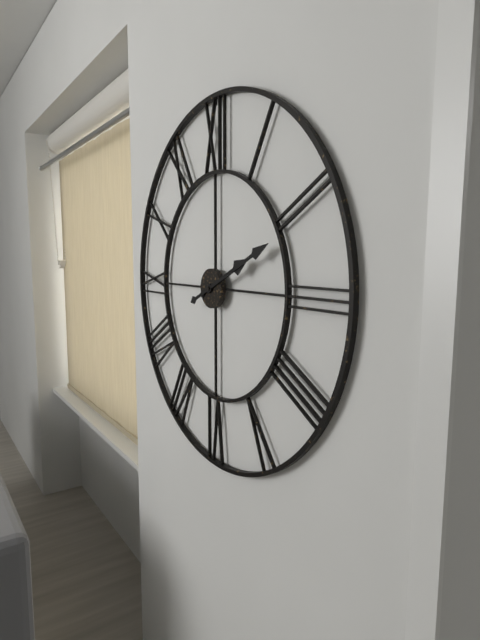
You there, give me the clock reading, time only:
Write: 2:11
